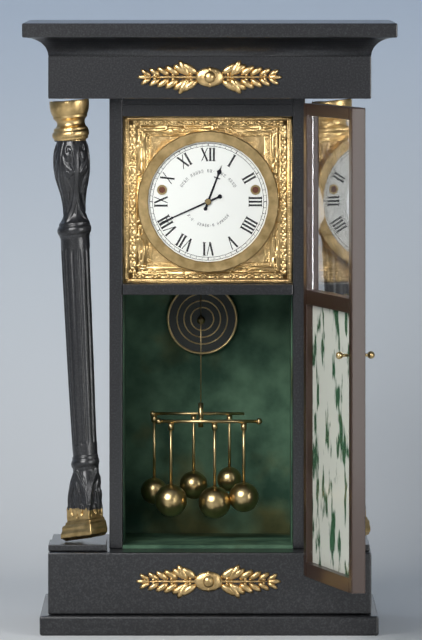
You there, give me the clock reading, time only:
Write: 12:41
